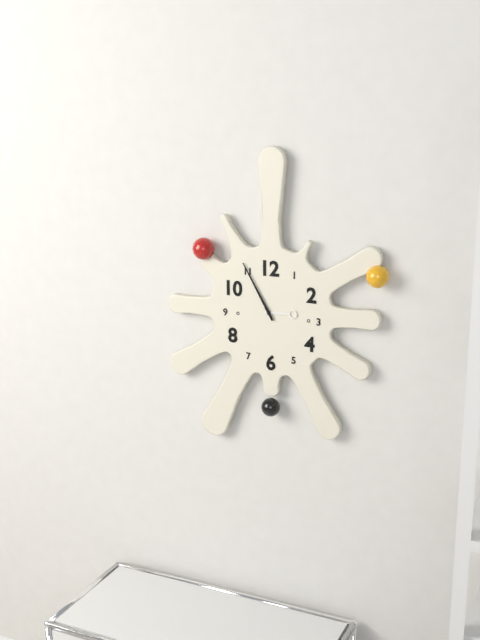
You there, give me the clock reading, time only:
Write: 2:55
